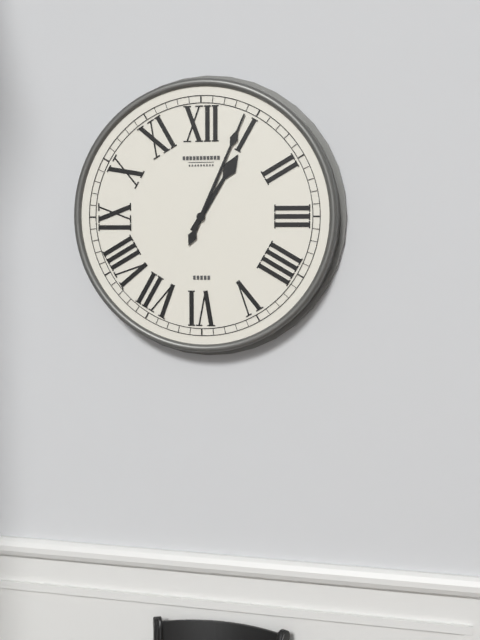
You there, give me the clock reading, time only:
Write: 1:04
